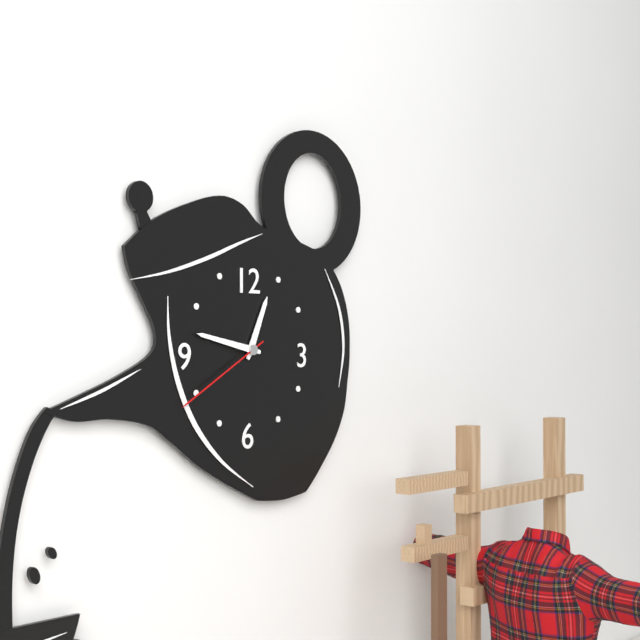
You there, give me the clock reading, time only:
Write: 12:47:40
